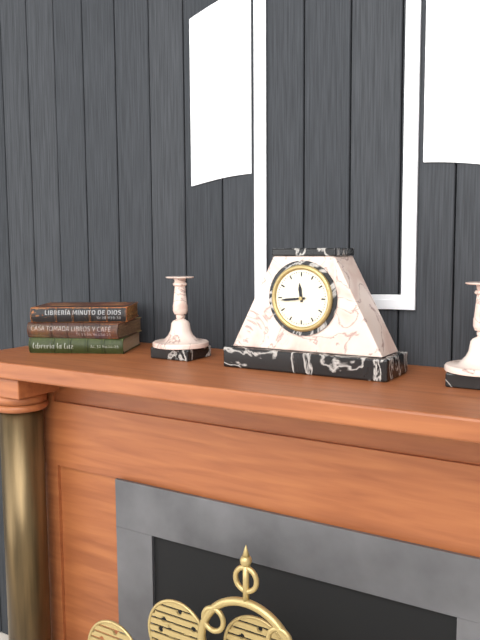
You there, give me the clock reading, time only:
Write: 11:44
